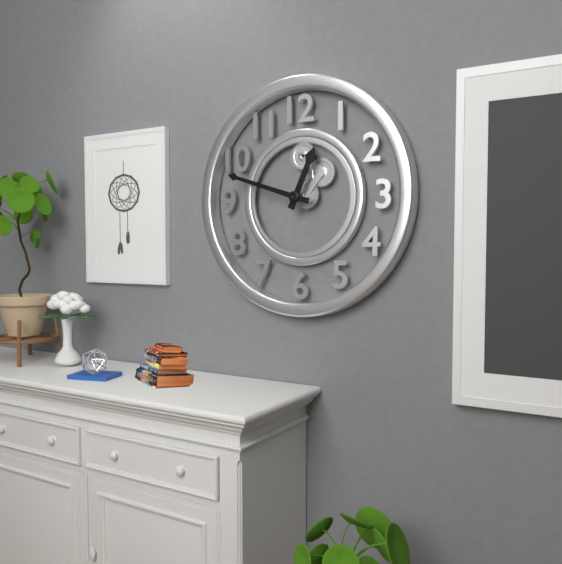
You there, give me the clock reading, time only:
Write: 12:48
